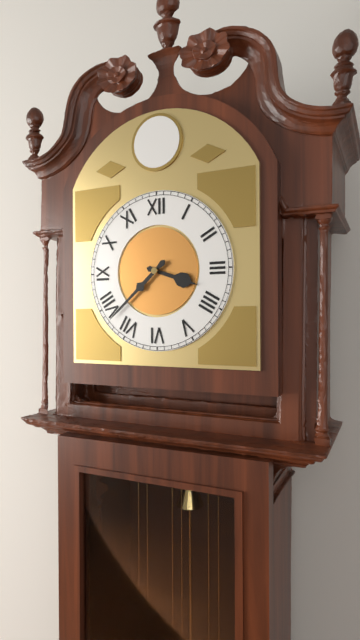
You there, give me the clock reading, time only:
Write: 3:38
